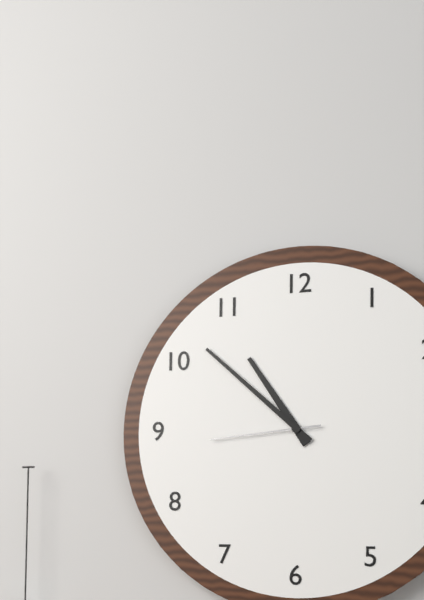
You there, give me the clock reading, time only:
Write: 10:52:44
